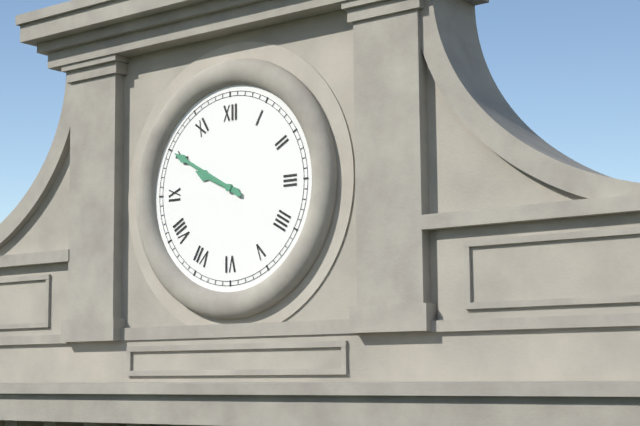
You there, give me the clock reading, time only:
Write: 9:50
